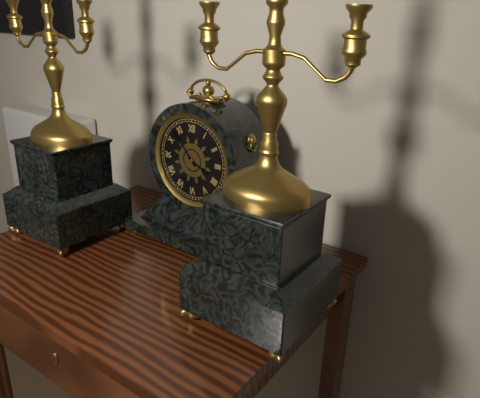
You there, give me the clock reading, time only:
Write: 3:53
